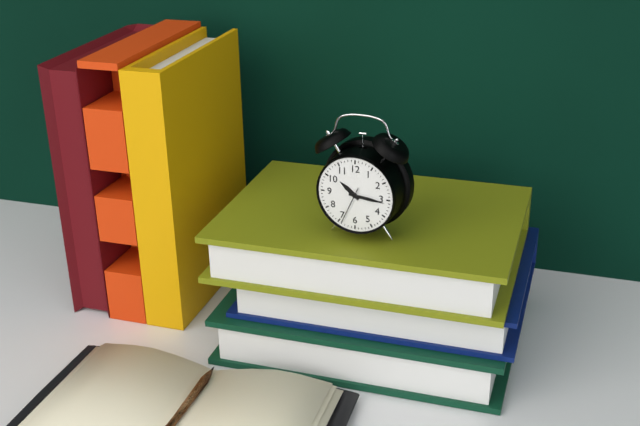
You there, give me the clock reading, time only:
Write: 10:16
